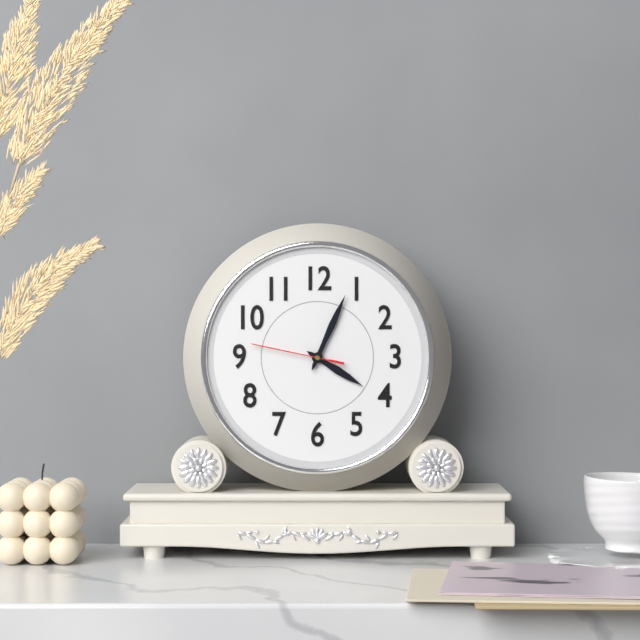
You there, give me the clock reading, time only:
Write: 4:04:47
